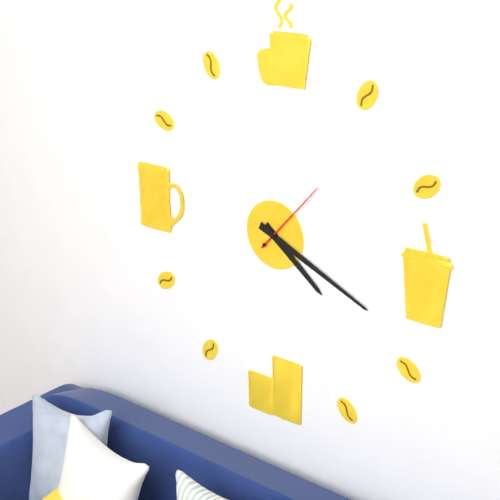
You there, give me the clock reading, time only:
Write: 4:19:07
